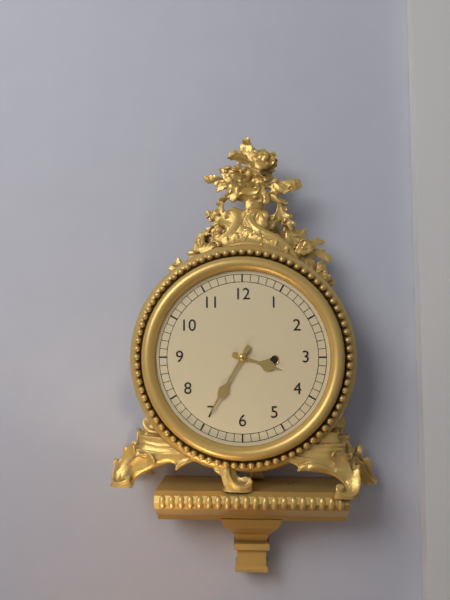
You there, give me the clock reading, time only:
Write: 3:35
